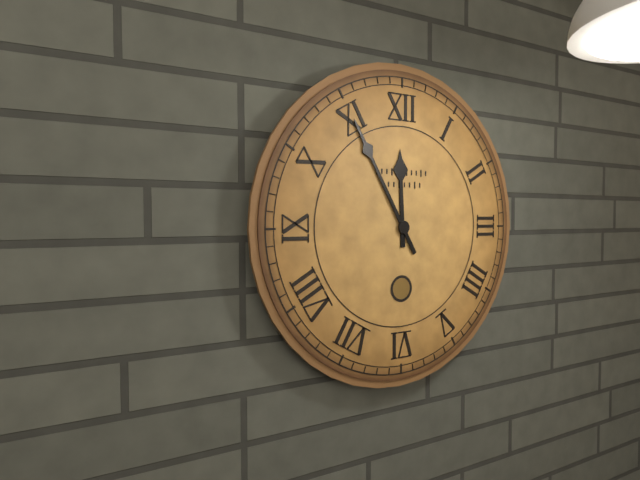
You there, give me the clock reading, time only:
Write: 11:55
